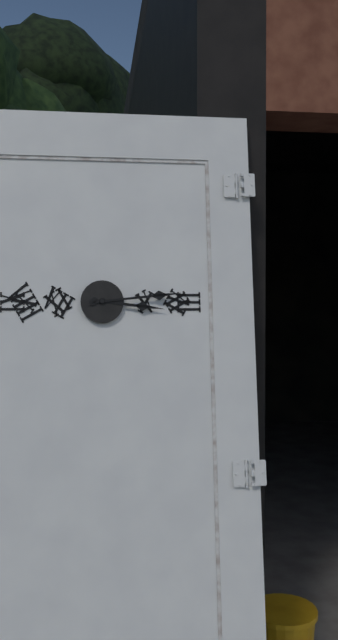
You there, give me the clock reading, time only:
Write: 3:14
